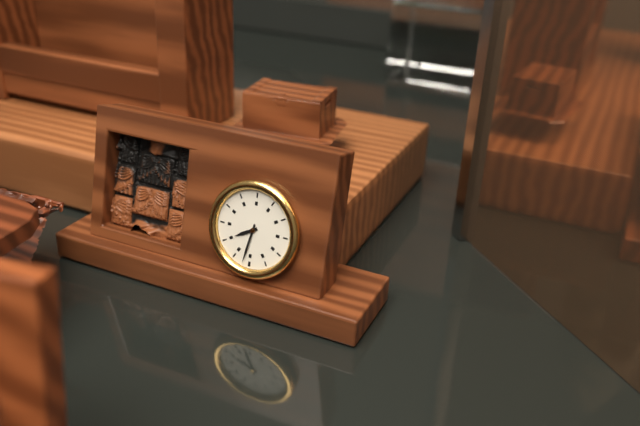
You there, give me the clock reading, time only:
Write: 2:02
